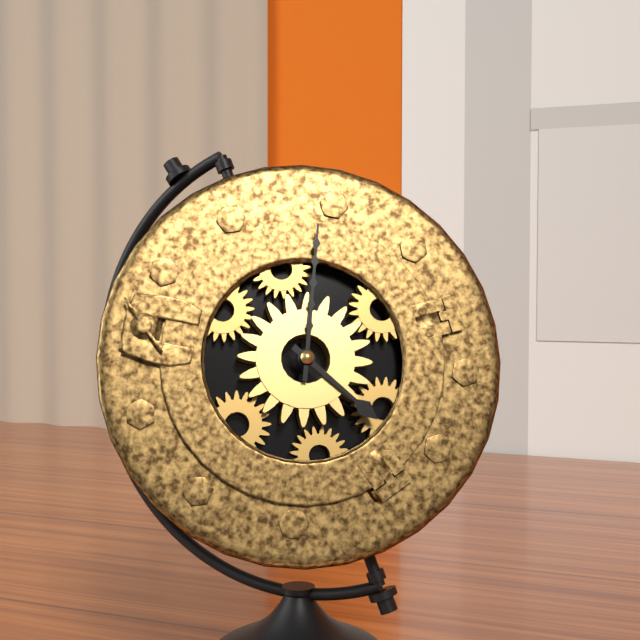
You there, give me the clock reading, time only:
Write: 3:59
